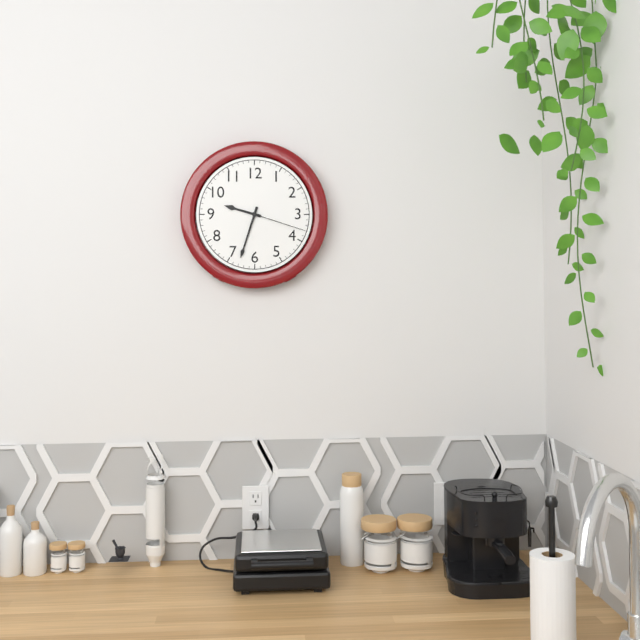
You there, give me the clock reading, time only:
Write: 9:33:18
